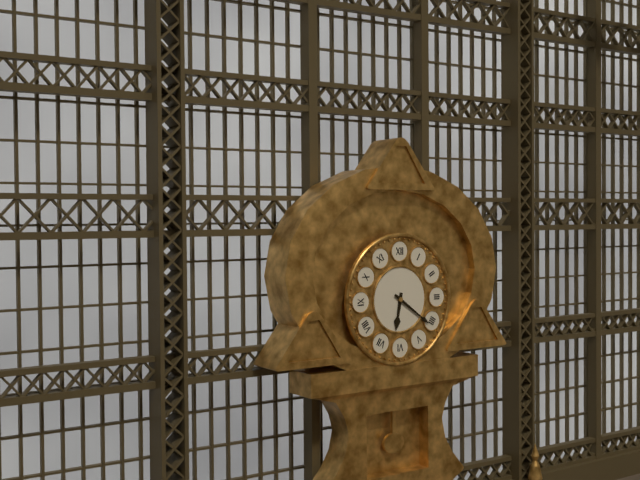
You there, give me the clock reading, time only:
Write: 6:21
